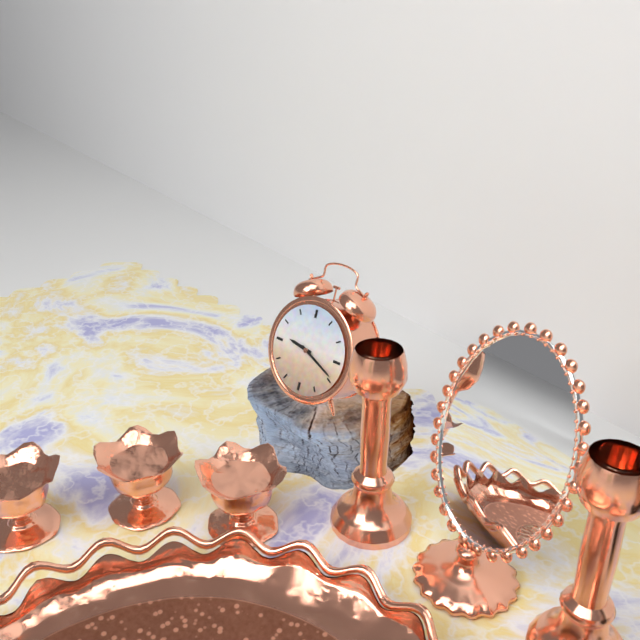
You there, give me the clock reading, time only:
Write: 9:19
